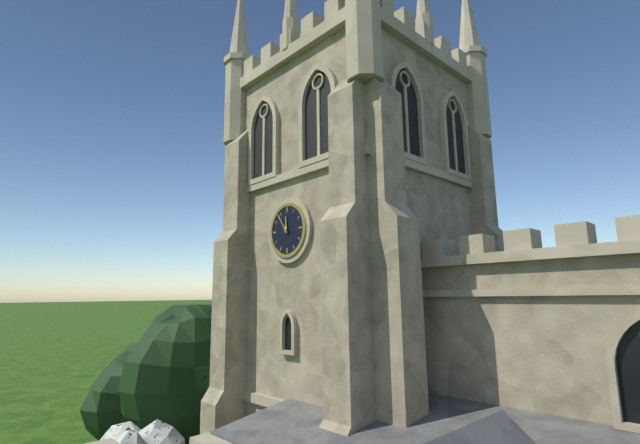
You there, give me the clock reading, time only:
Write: 11:54
